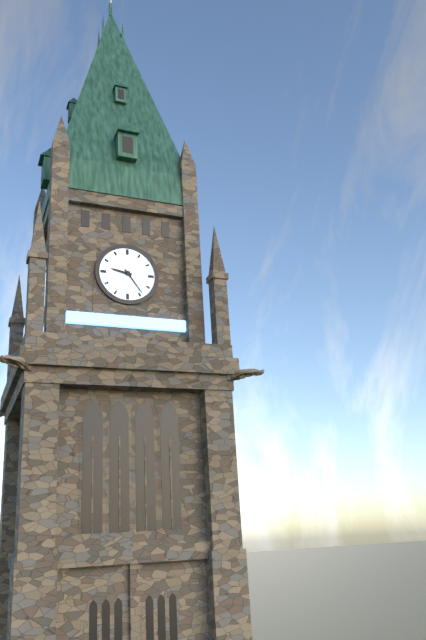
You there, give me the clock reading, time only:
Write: 9:24
